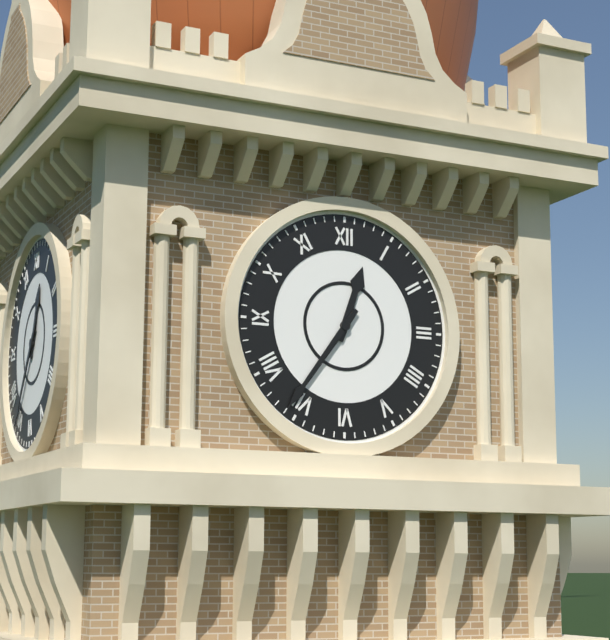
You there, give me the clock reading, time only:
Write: 12:36
